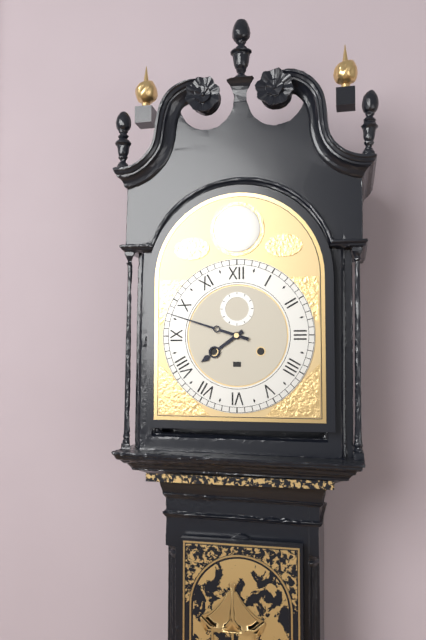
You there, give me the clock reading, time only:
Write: 7:48
